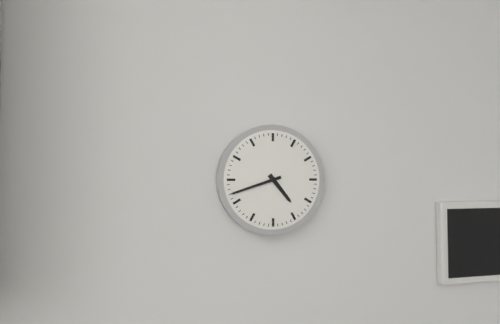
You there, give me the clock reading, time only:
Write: 4:42
